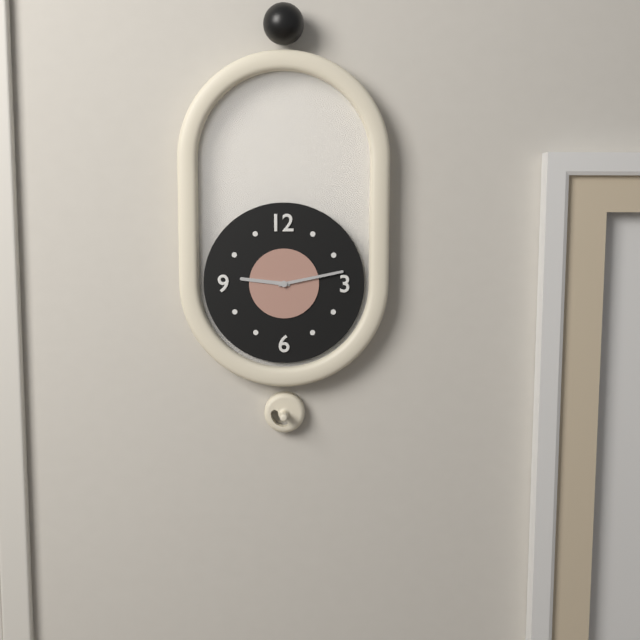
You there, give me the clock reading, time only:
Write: 9:13
